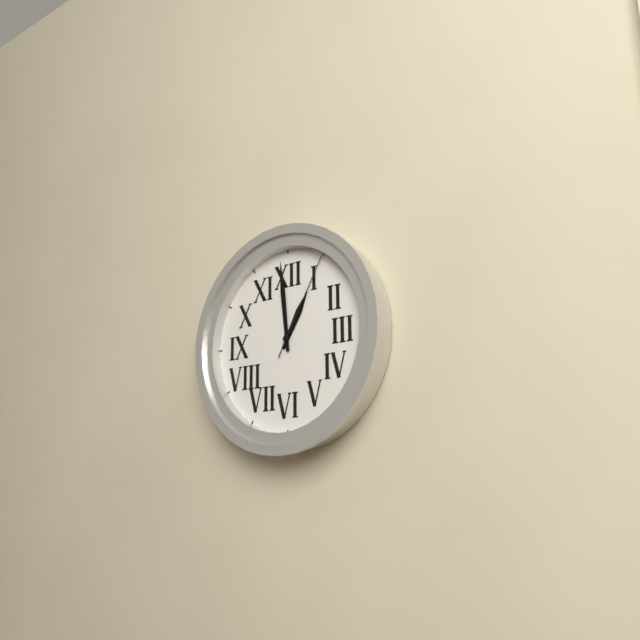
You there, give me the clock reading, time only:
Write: 12:59:05
